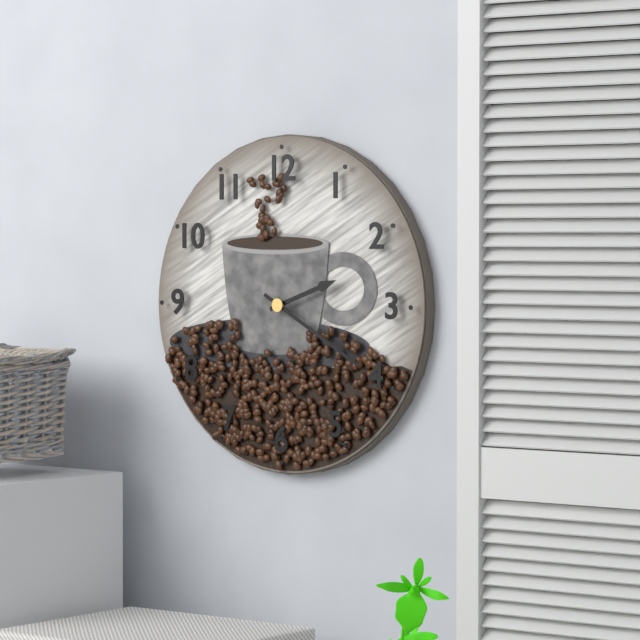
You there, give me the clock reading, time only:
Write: 2:20
